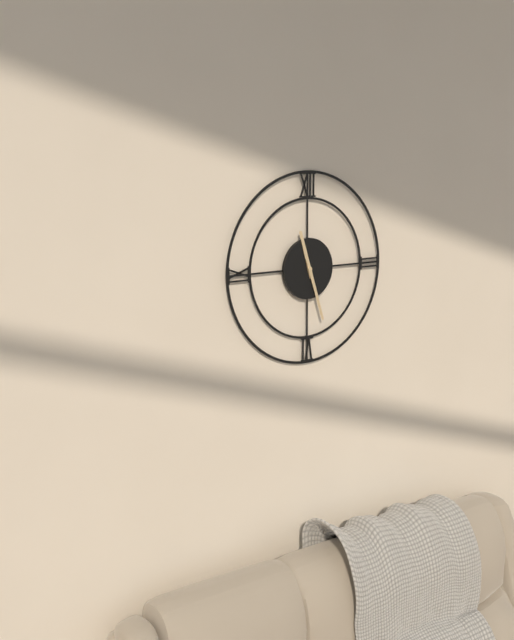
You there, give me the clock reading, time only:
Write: 11:27
